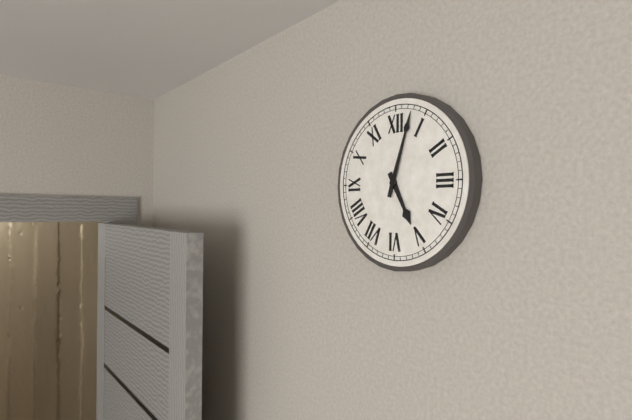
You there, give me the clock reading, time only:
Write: 5:03
